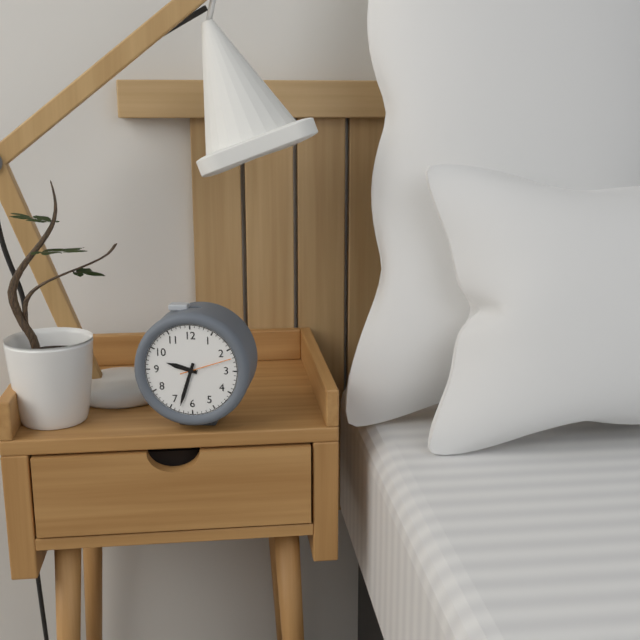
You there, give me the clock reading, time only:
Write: 9:33
